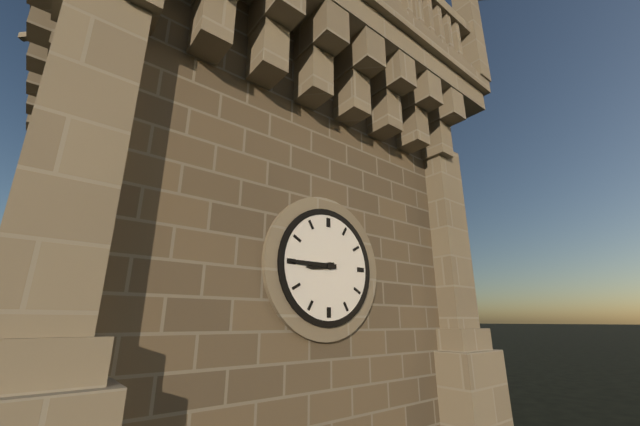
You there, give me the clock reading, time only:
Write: 8:45
